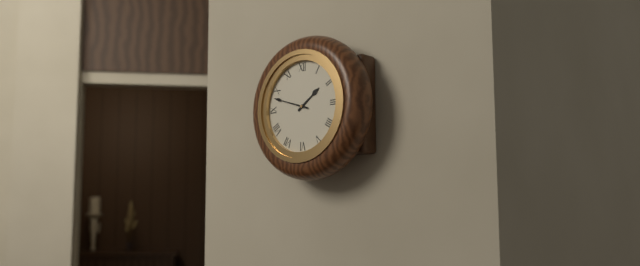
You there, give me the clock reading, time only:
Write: 1:48
